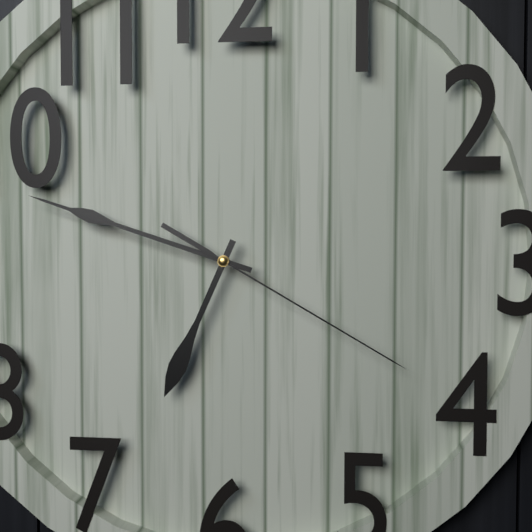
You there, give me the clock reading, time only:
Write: 6:48:20
